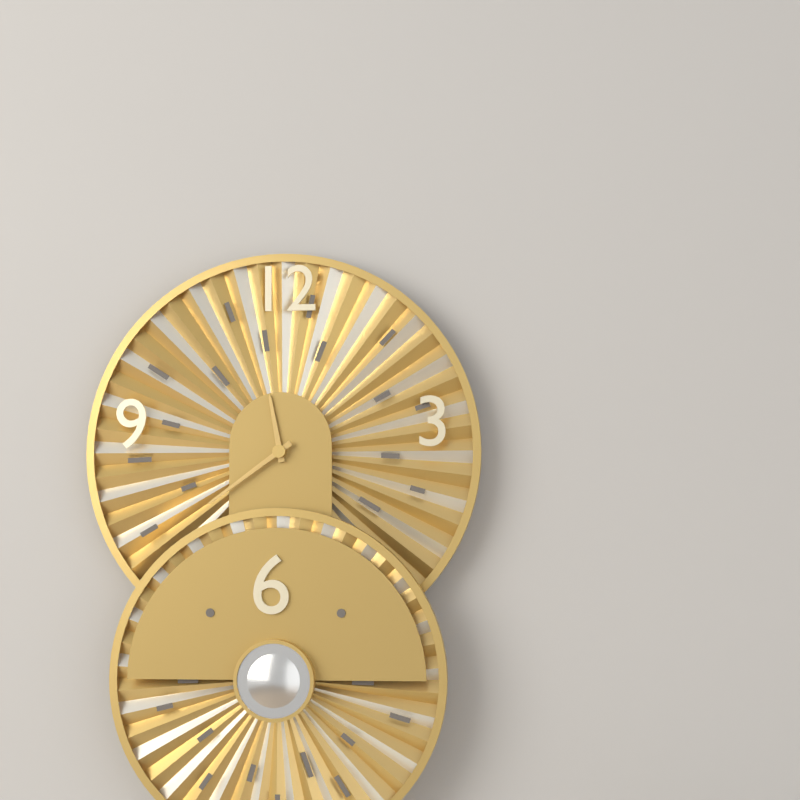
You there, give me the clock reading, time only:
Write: 11:39
